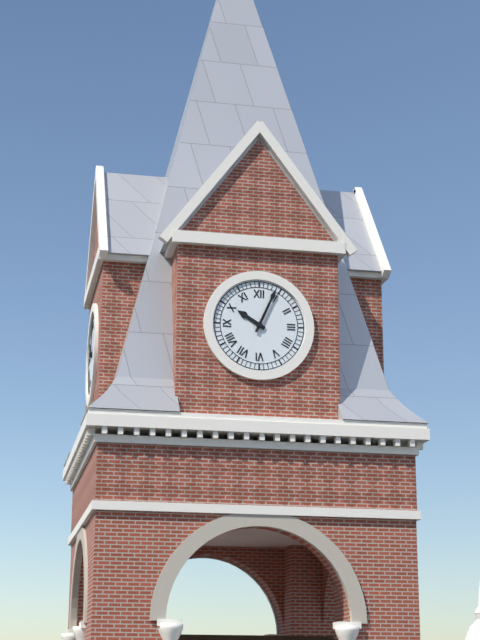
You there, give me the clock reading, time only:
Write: 10:04
